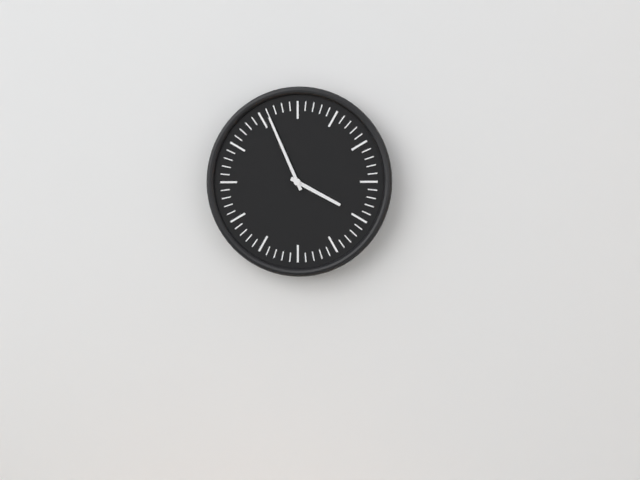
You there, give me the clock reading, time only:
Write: 3:56
